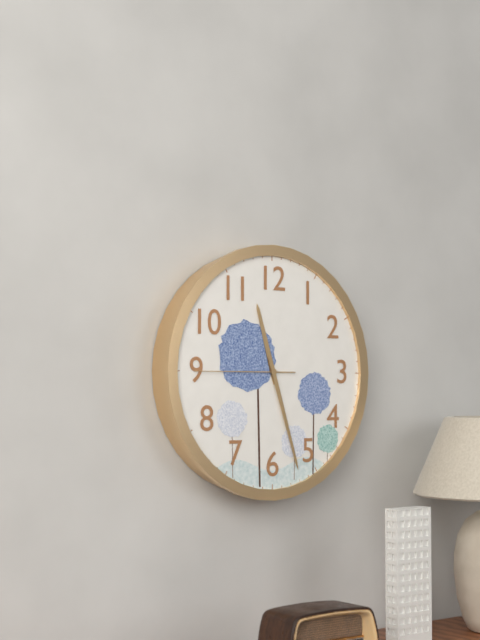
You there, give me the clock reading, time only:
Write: 11:27:45
